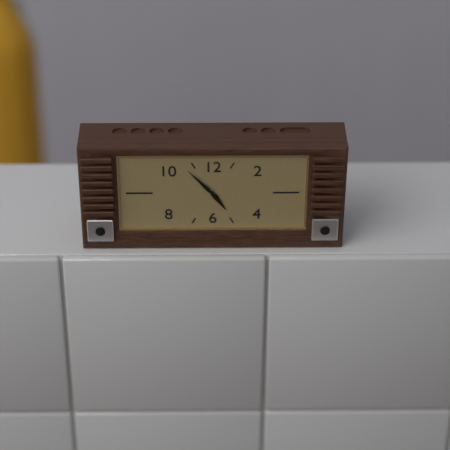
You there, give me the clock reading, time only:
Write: 4:53
